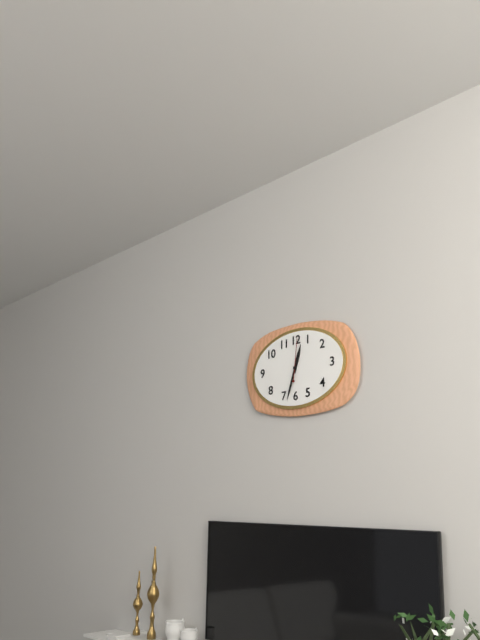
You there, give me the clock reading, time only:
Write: 12:33
